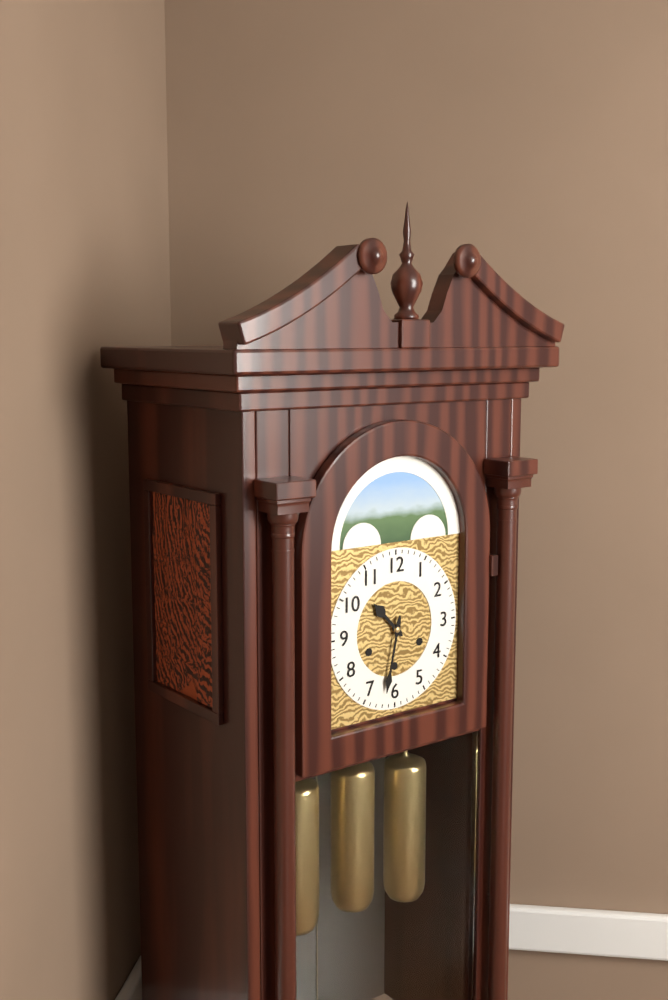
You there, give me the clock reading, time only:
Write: 10:32
